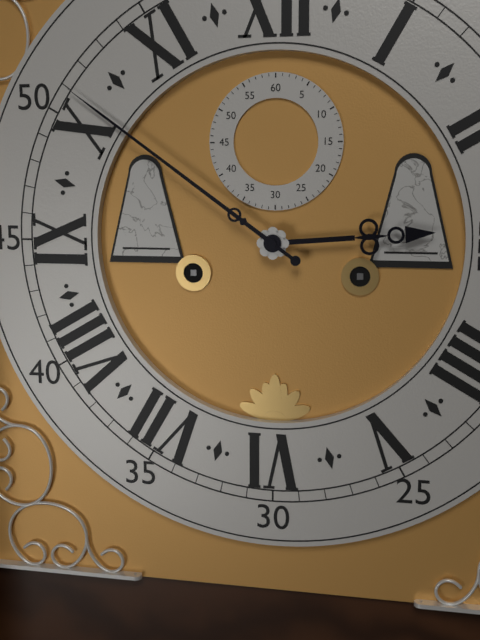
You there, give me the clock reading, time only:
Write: 2:51
